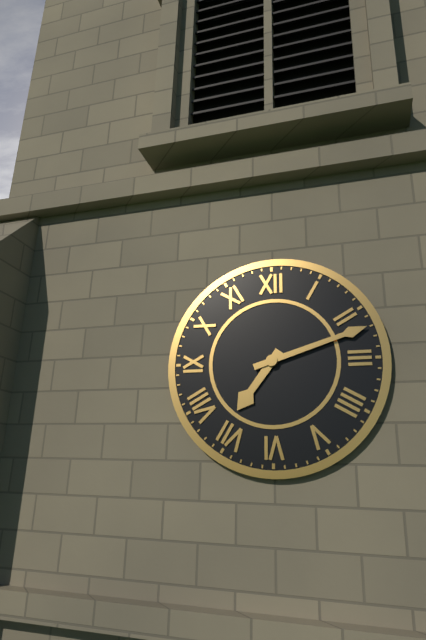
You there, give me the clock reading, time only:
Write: 7:12
